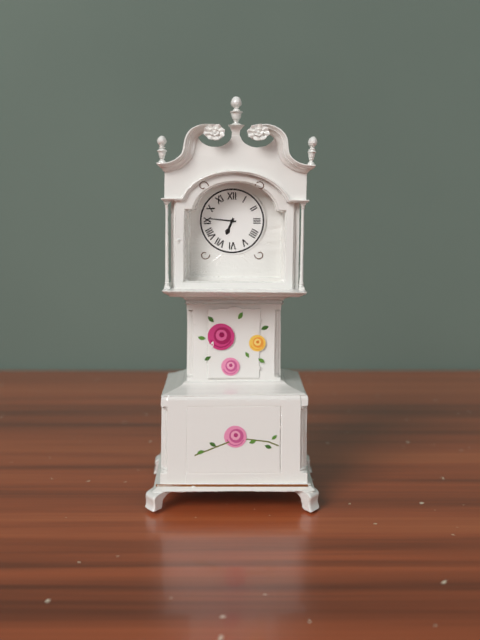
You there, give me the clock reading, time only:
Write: 6:46
